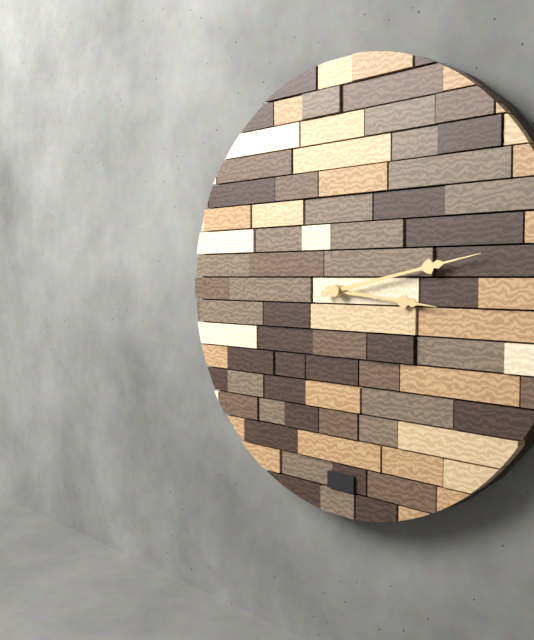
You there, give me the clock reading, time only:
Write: 3:13
